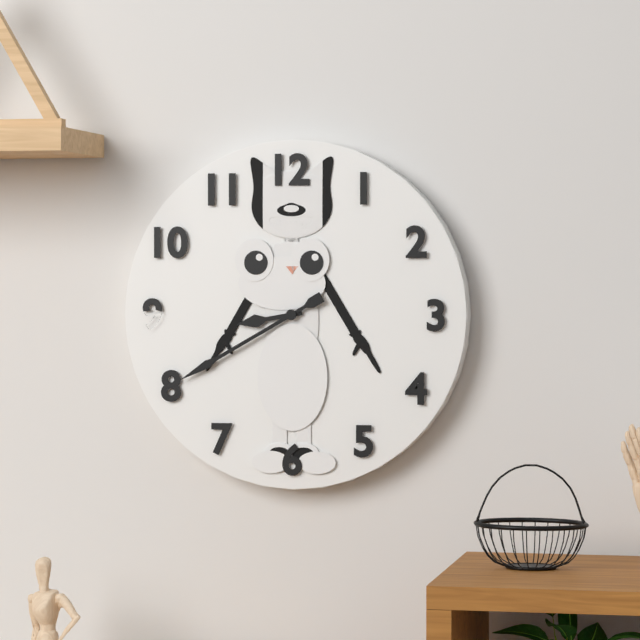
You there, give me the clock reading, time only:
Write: 8:40
